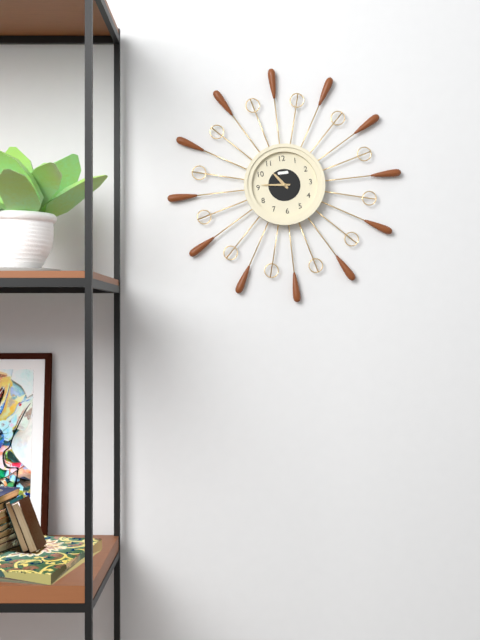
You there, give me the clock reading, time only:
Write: 10:46
